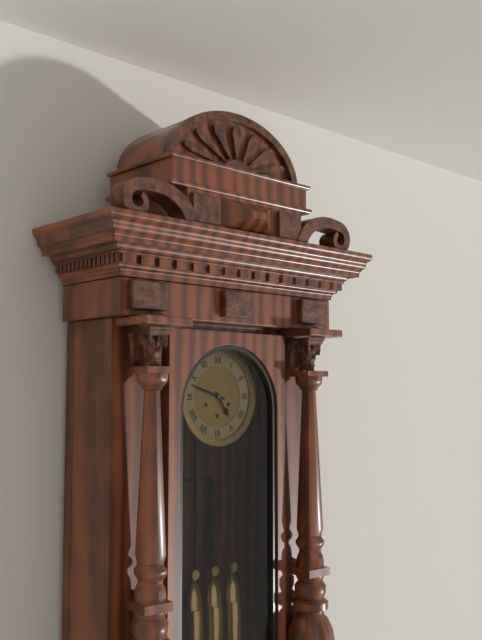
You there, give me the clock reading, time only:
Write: 4:48
